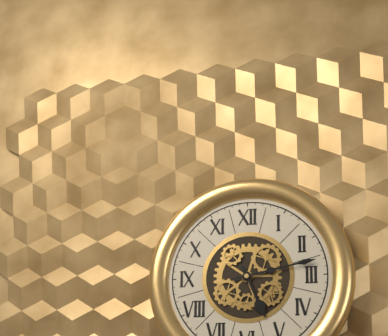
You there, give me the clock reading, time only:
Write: 5:13
